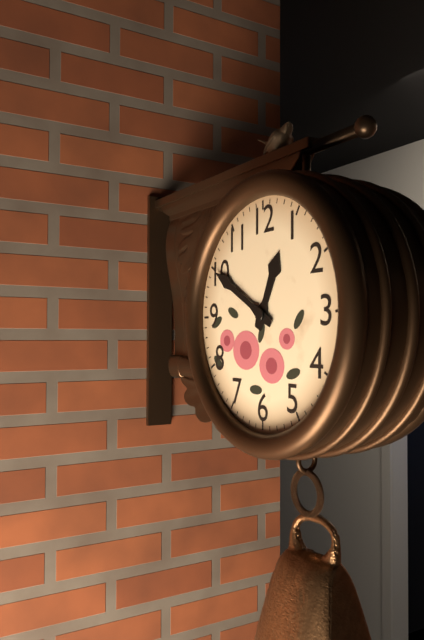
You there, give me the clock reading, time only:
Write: 12:50
